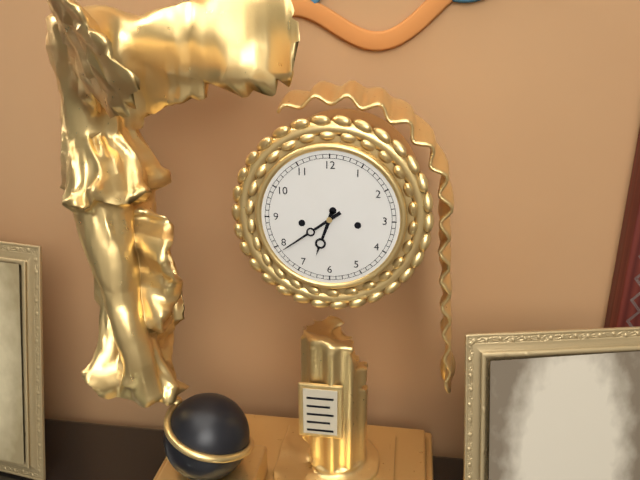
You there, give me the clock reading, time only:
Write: 6:39
